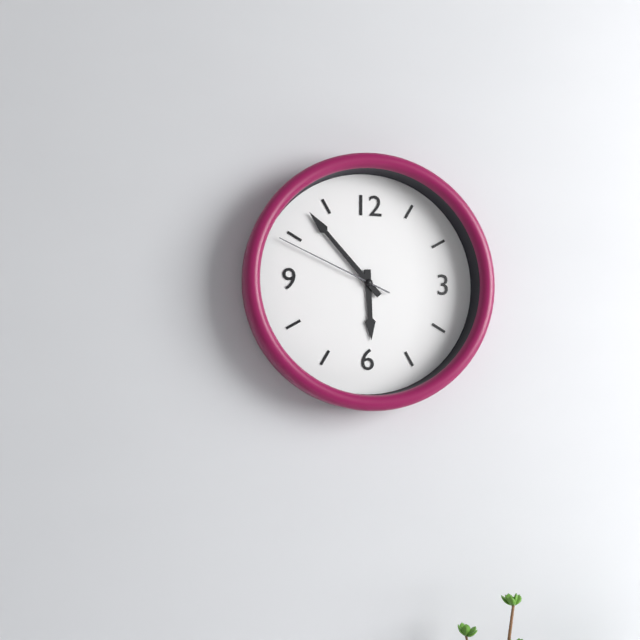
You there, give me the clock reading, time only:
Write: 5:53:49
